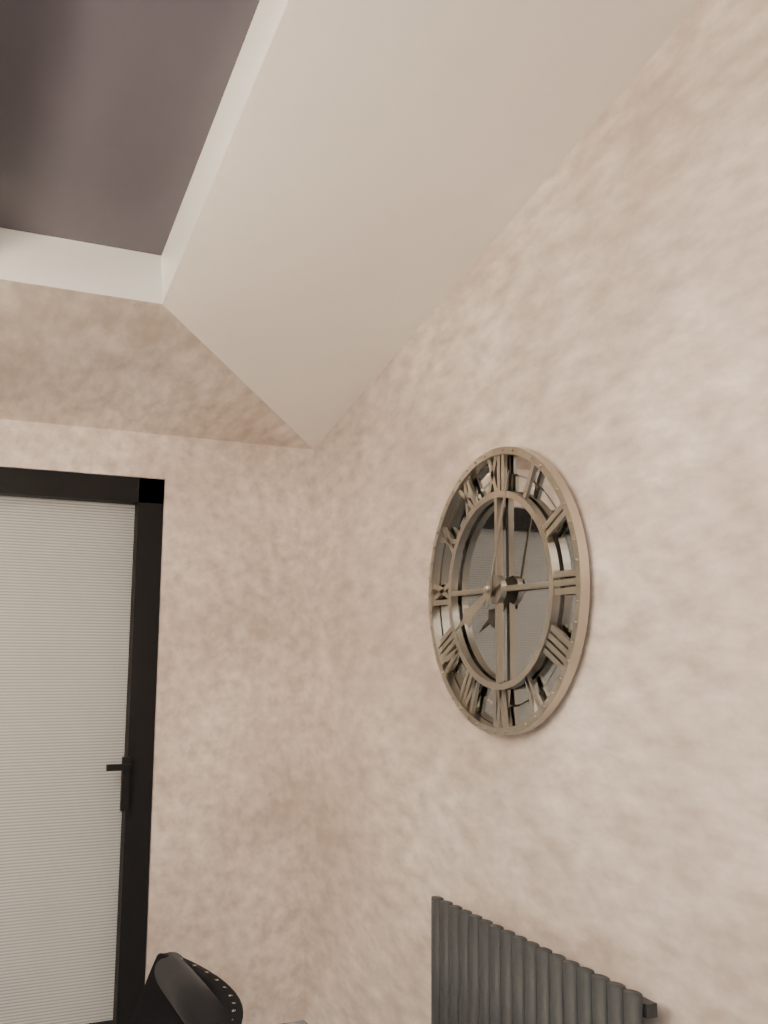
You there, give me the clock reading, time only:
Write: 8:03
